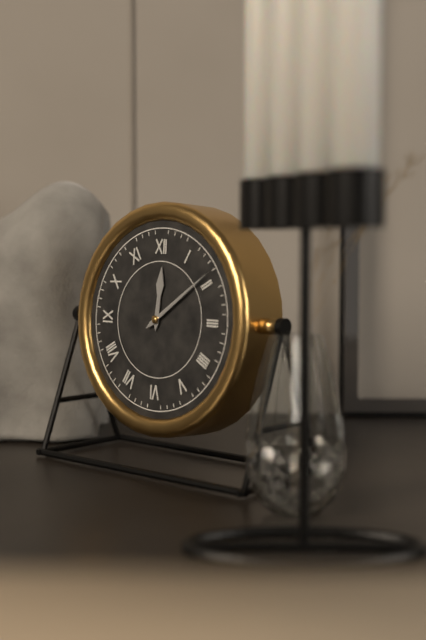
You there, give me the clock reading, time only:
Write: 12:09
